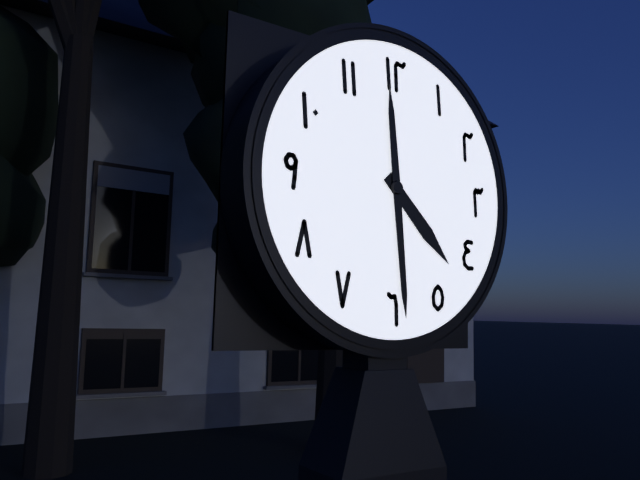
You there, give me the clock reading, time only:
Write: 4:29
